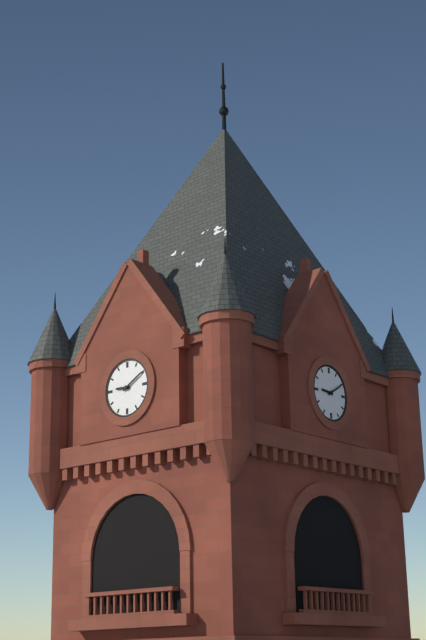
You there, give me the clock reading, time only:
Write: 9:10
